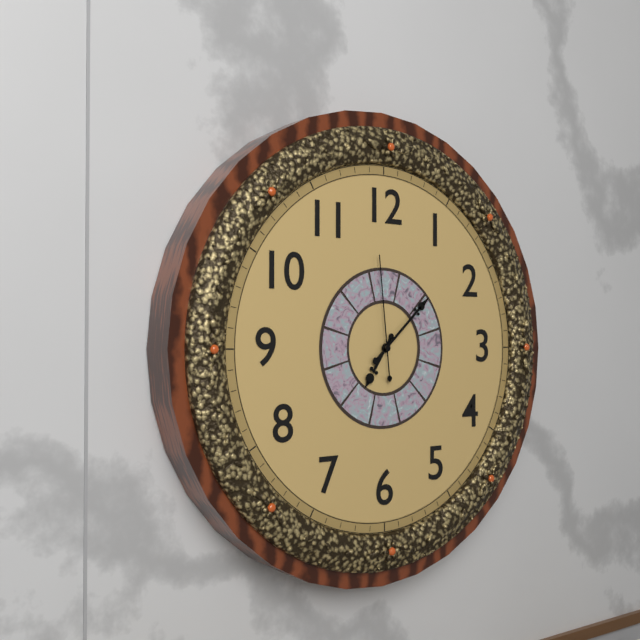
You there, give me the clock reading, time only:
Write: 7:08:59
